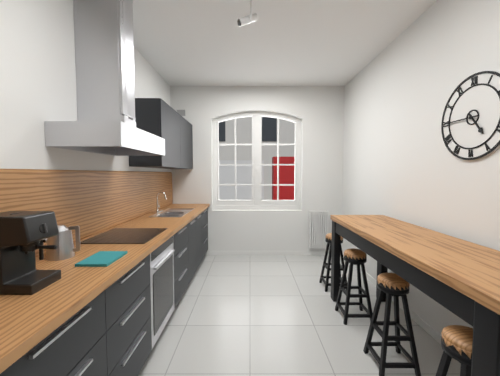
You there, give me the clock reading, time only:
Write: 4:45
